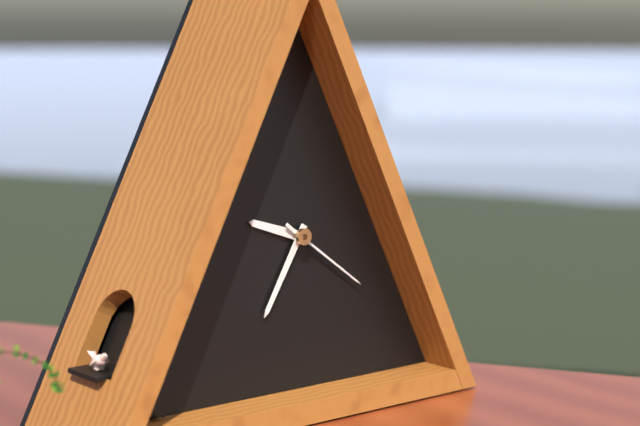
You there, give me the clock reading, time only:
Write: 9:35:21
